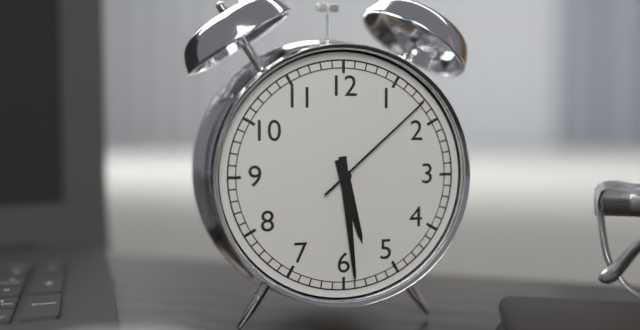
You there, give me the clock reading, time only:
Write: 5:29:08
